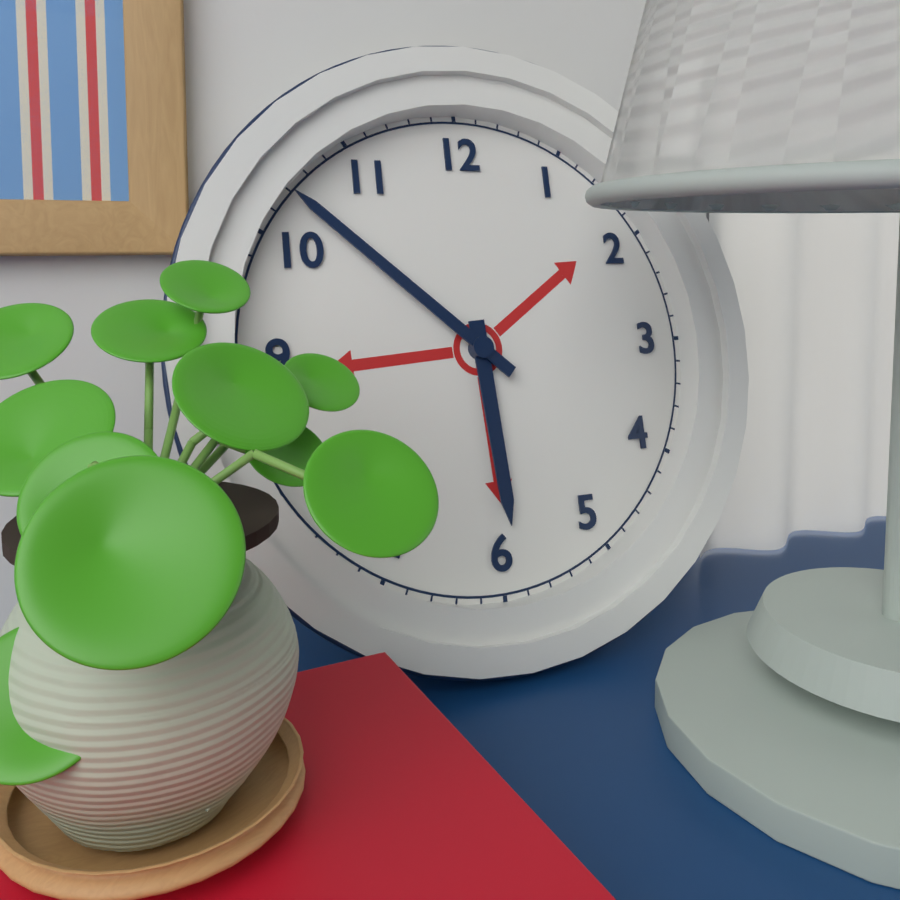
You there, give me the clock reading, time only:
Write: 5:52
